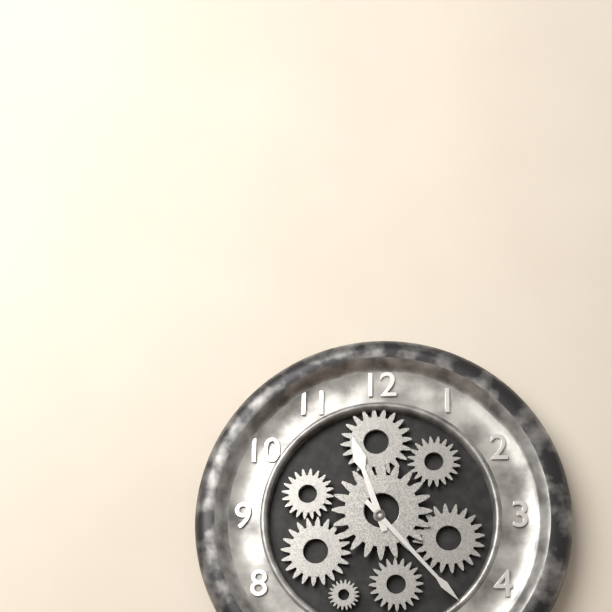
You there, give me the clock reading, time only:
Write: 11:23
